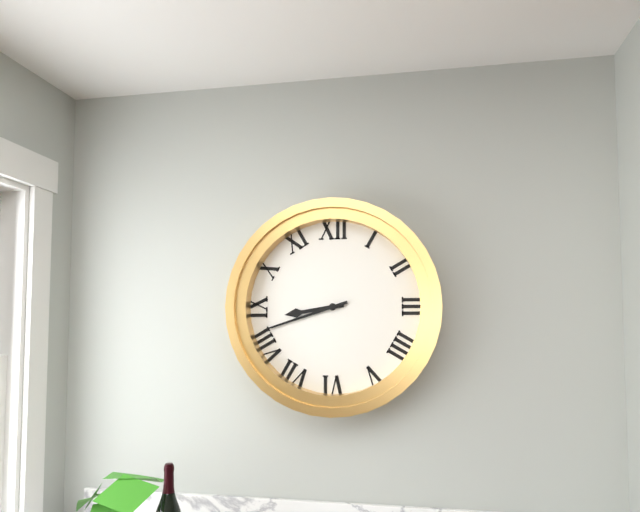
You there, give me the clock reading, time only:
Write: 8:42
